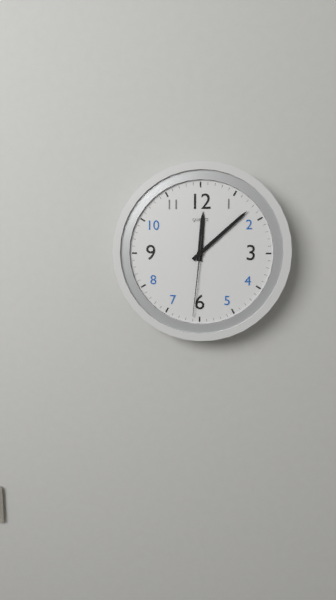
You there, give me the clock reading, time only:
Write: 12:08:31
